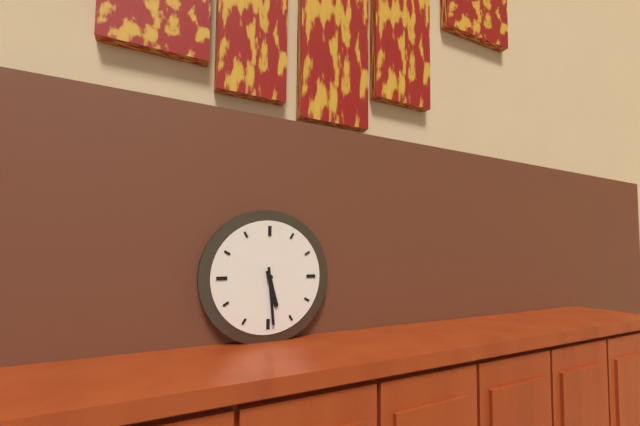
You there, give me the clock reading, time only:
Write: 5:29
